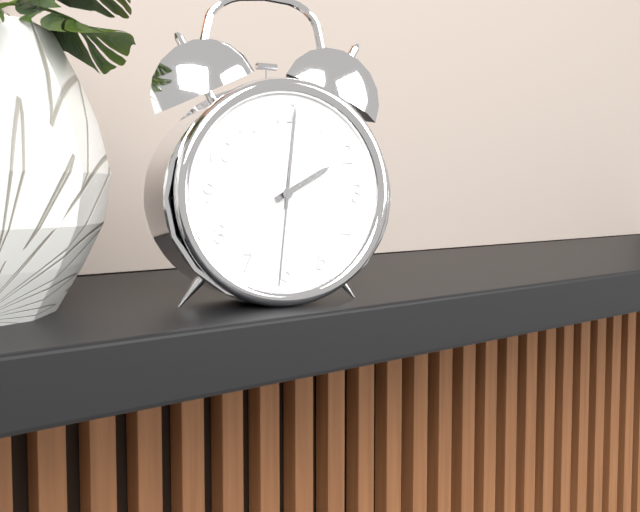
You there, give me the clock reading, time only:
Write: 2:01:31
